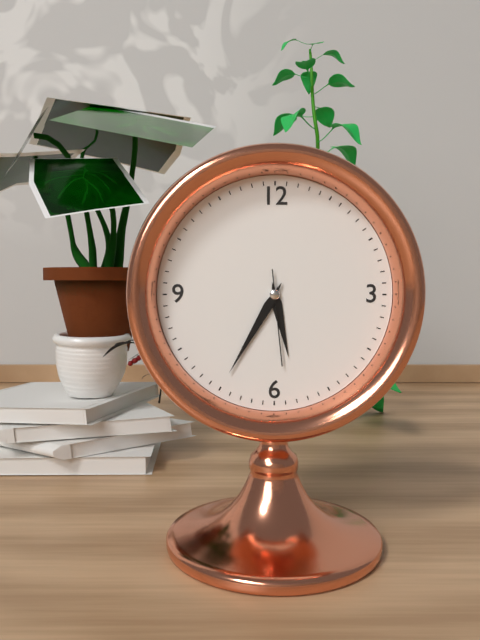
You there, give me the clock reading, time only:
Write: 5:35:29
